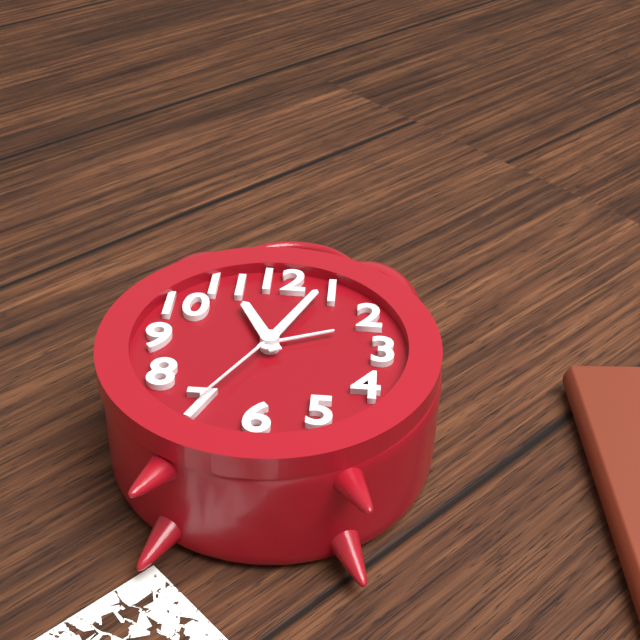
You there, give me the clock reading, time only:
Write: 11:04:35
